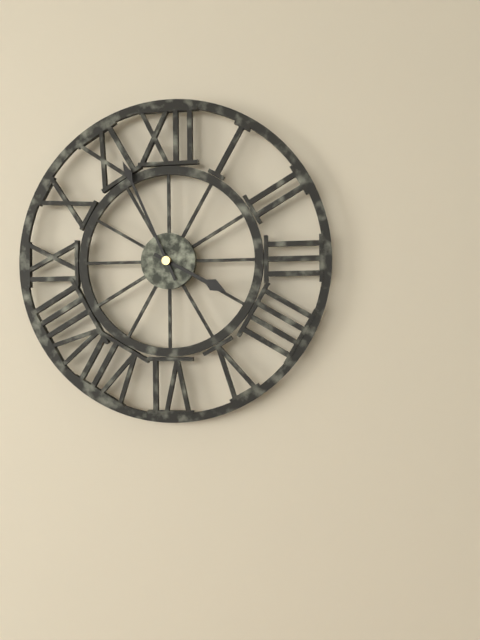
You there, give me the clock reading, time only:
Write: 3:56
